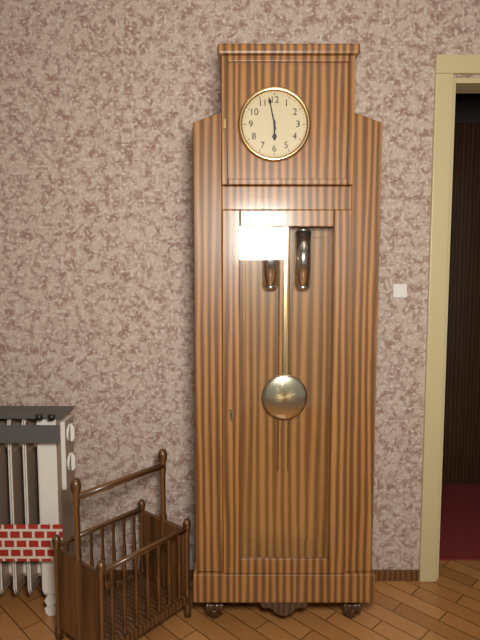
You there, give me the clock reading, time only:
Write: 5:58
